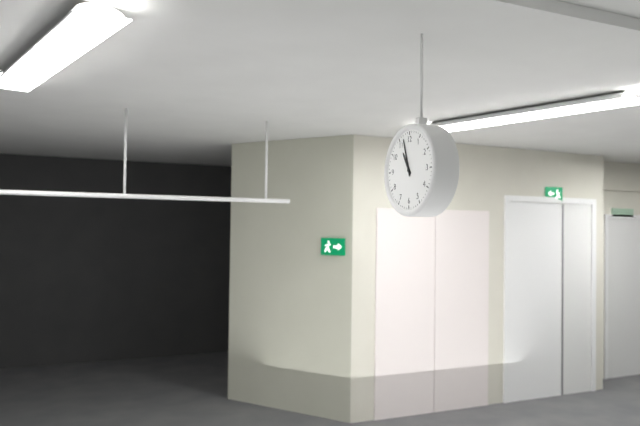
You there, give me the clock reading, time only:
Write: 10:57
